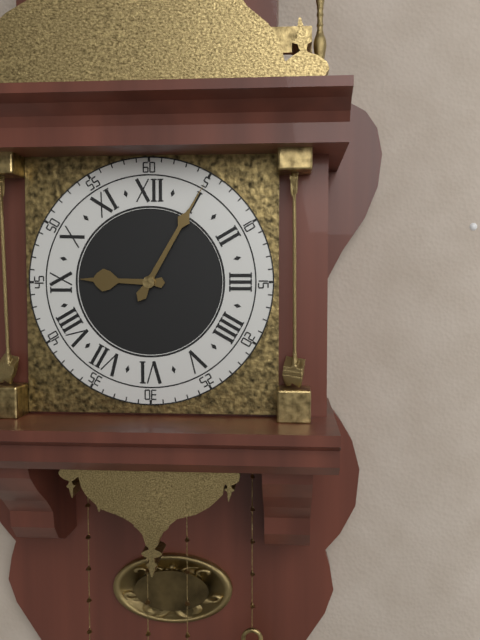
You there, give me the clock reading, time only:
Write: 9:05
